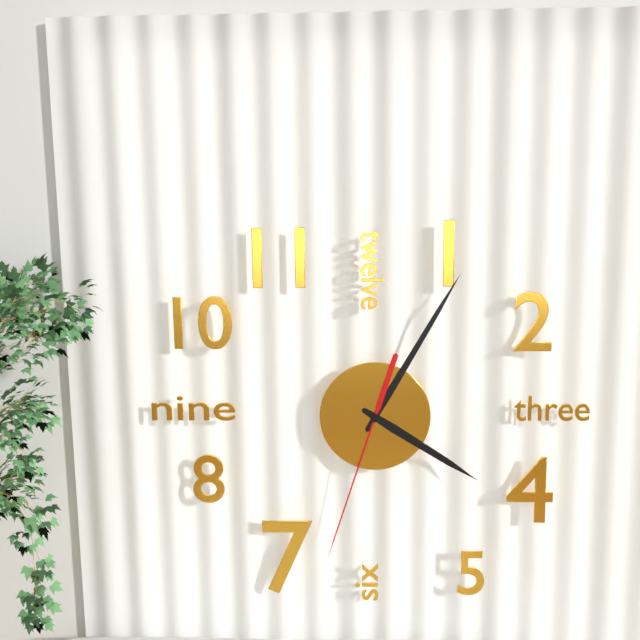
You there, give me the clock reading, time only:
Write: 4:05:33
